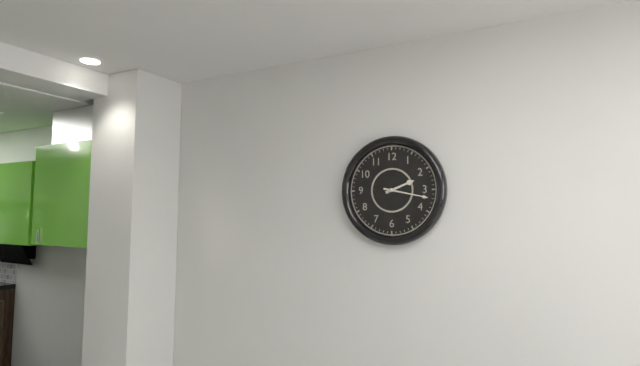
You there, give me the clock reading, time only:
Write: 2:17
